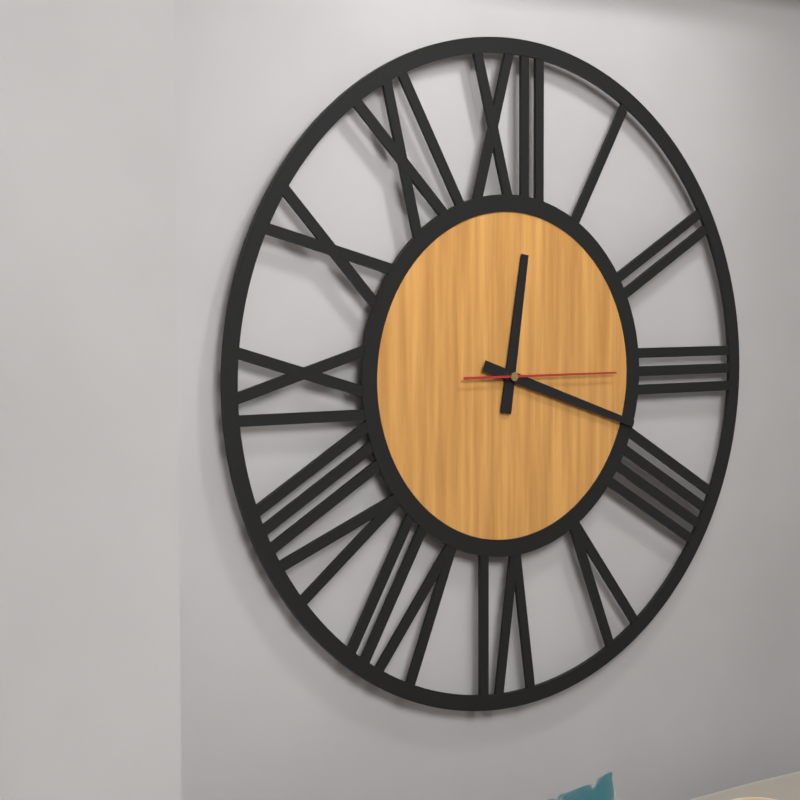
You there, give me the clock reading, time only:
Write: 12:18:15
